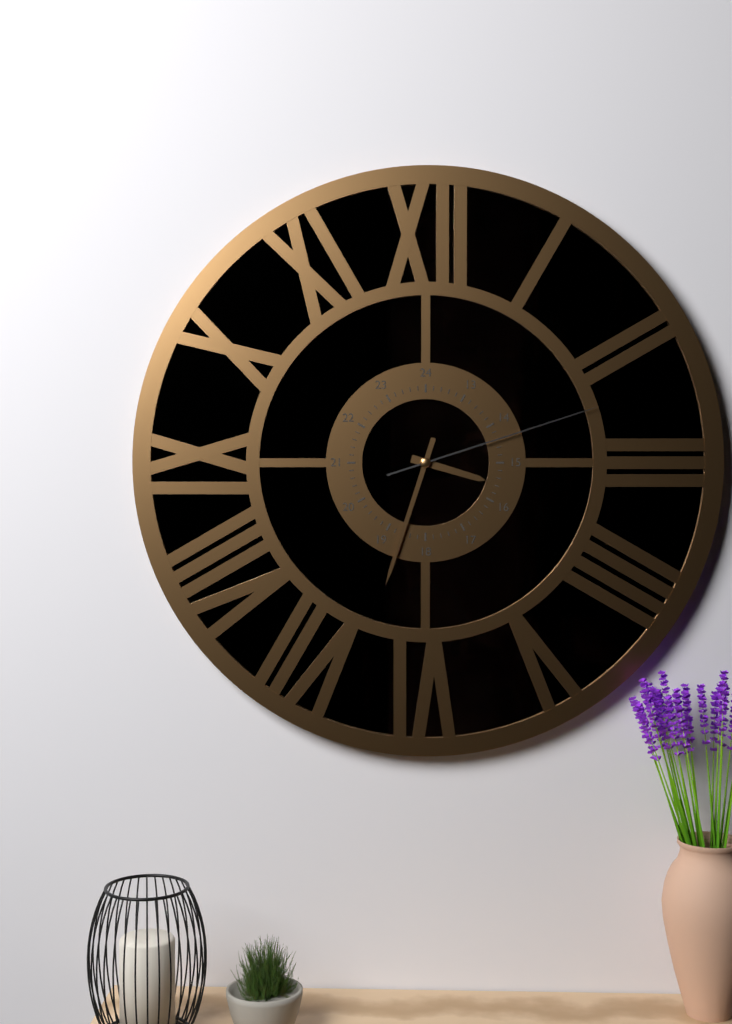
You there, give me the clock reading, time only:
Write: 3:33:12
